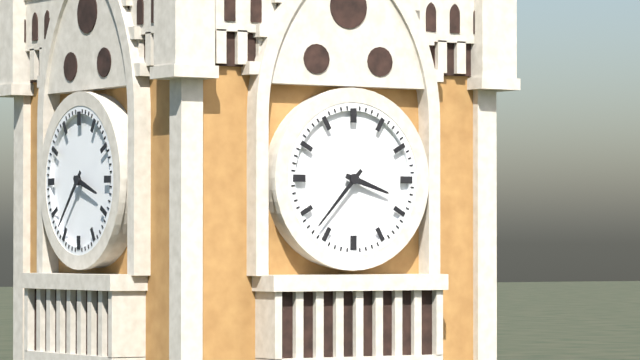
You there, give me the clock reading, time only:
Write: 3:37
